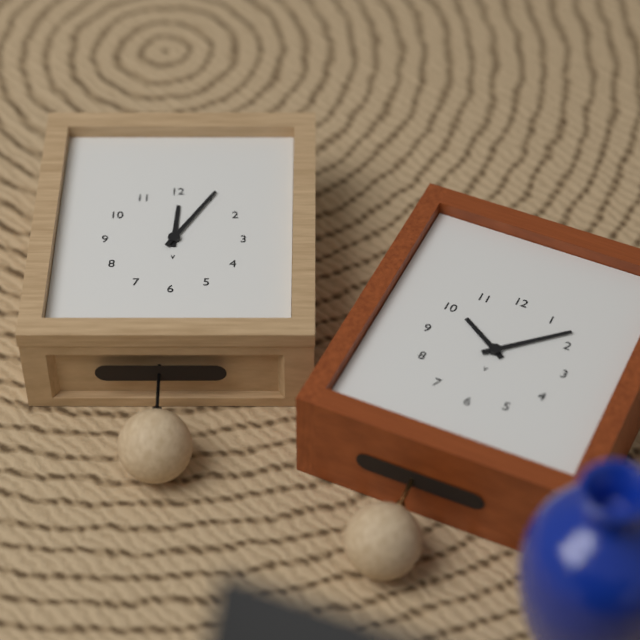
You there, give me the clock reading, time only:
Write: 12:05
